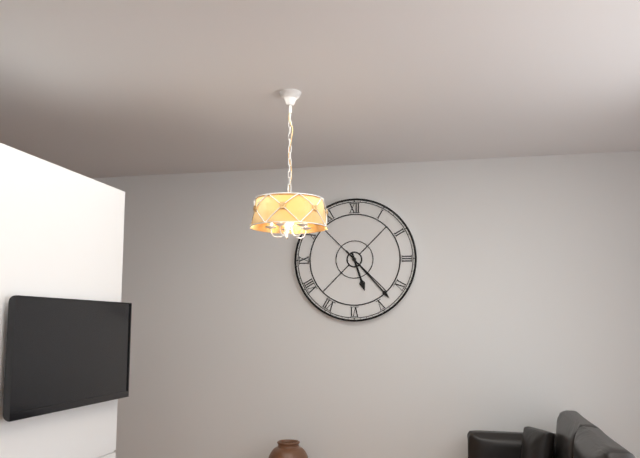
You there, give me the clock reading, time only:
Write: 5:23
